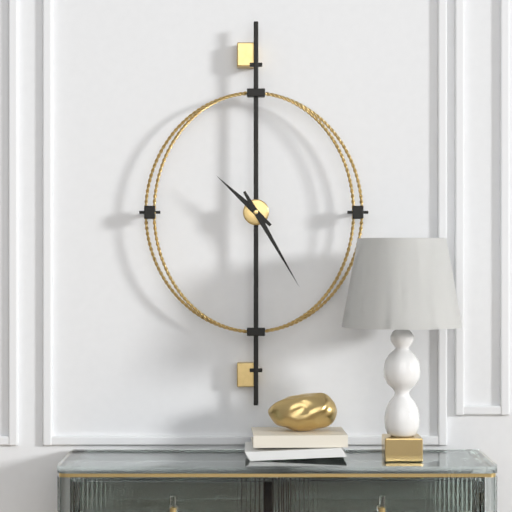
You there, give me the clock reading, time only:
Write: 10:25
